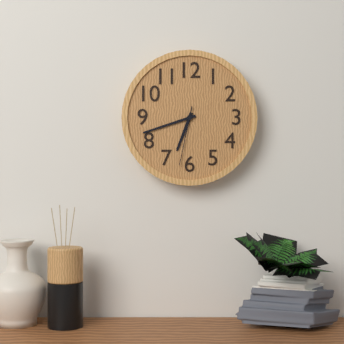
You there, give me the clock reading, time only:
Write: 6:42:32
